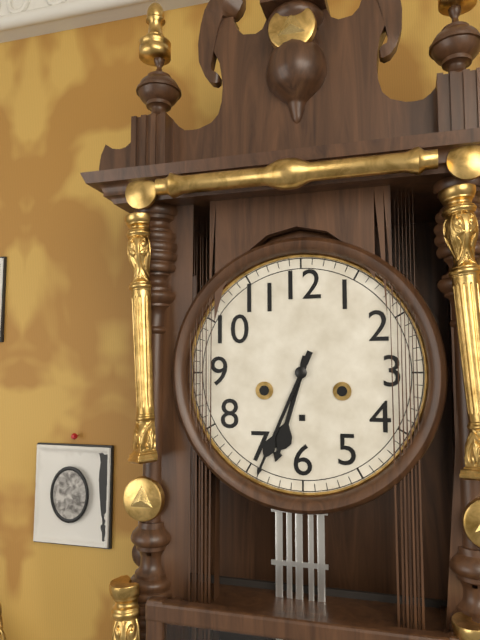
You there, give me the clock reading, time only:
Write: 6:34
